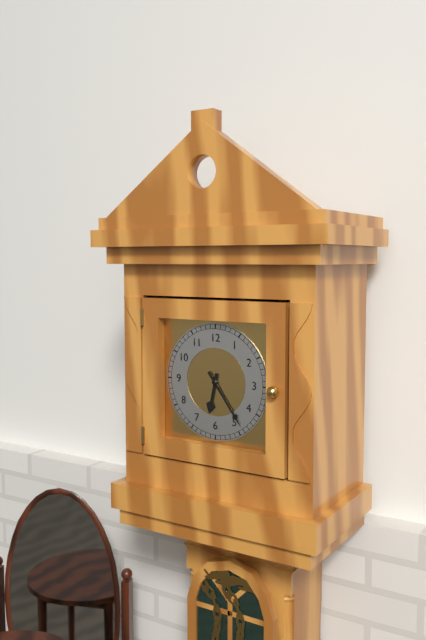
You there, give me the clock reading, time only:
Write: 6:24
